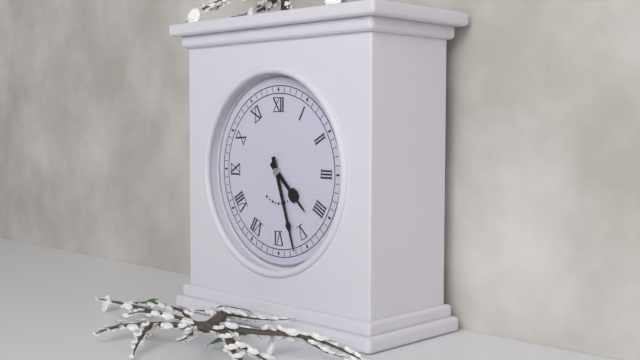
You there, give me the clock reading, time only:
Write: 4:27
